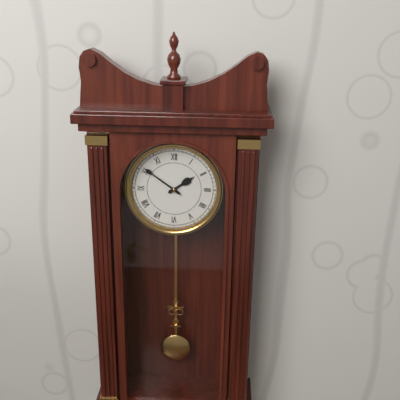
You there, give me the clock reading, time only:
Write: 1:51
